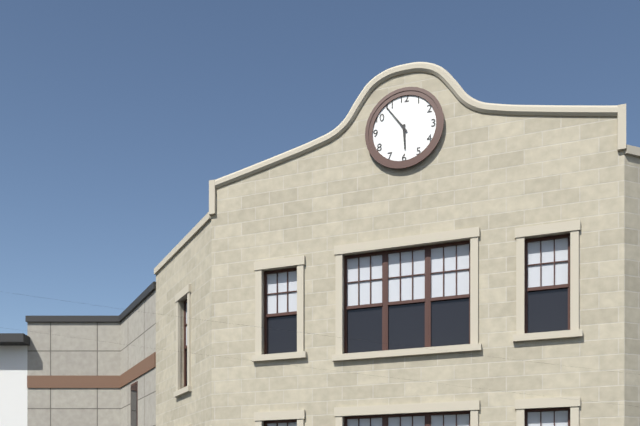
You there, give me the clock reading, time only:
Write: 5:54
